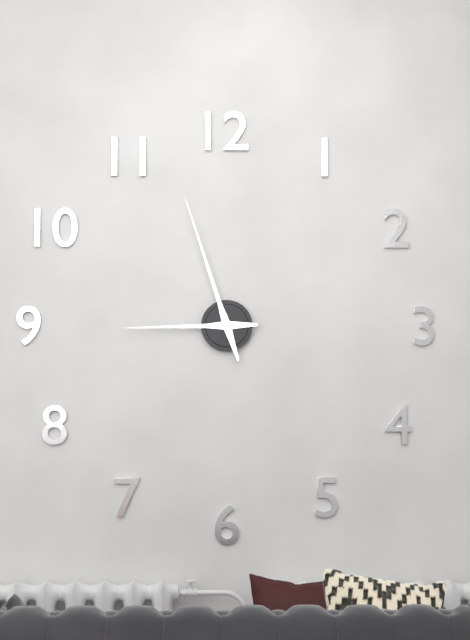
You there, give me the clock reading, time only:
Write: 8:57
